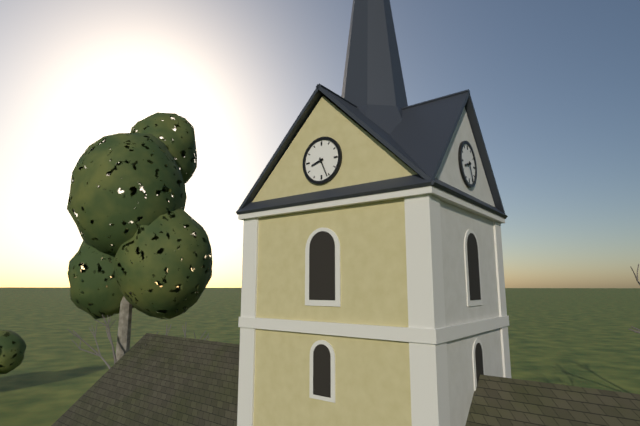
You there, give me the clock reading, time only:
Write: 8:26
